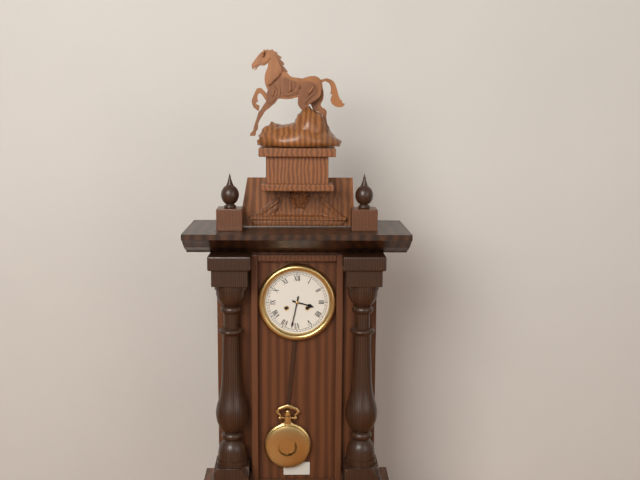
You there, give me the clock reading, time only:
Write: 3:32
